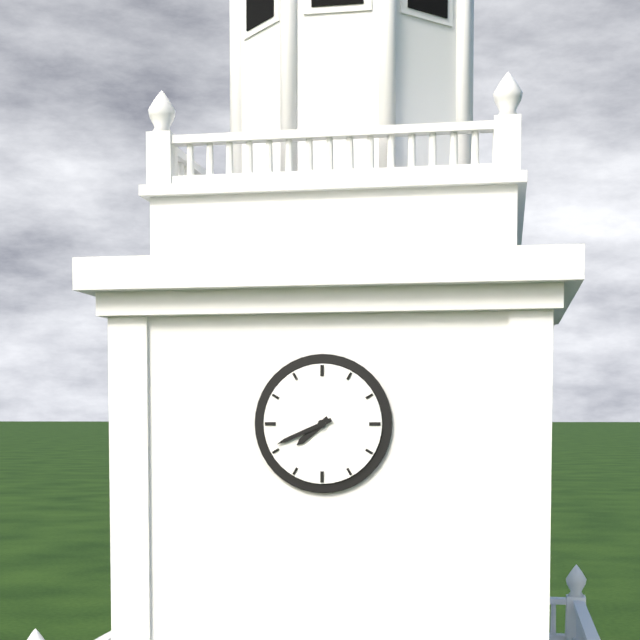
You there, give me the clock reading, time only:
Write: 7:41
